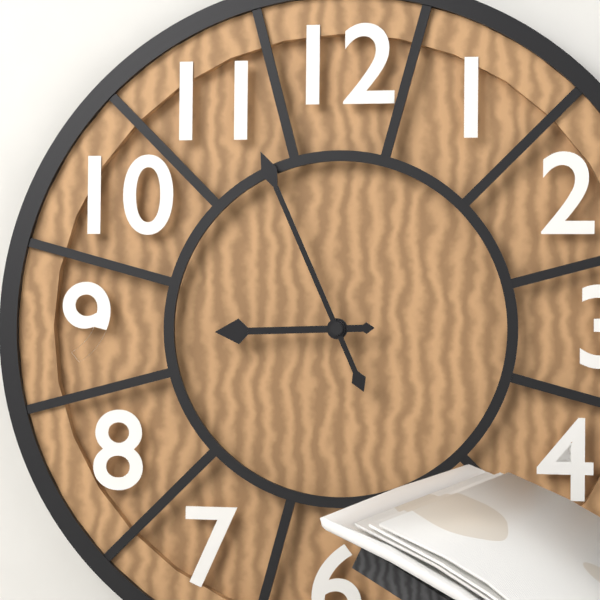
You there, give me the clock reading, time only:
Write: 8:56
